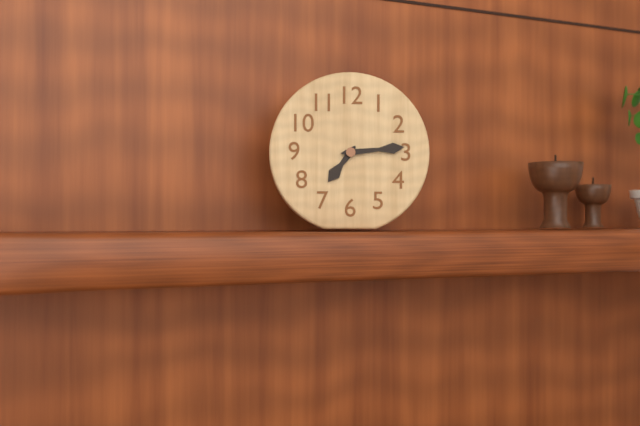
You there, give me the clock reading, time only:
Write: 7:14
